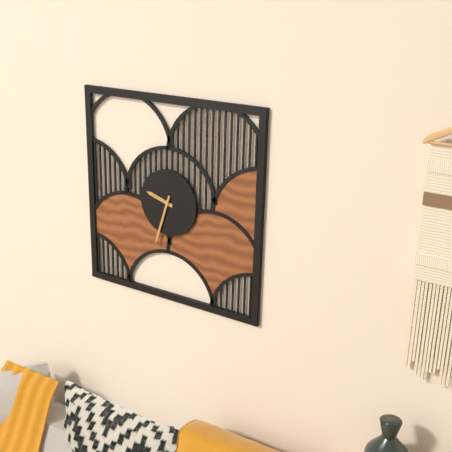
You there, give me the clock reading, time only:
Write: 9:33
